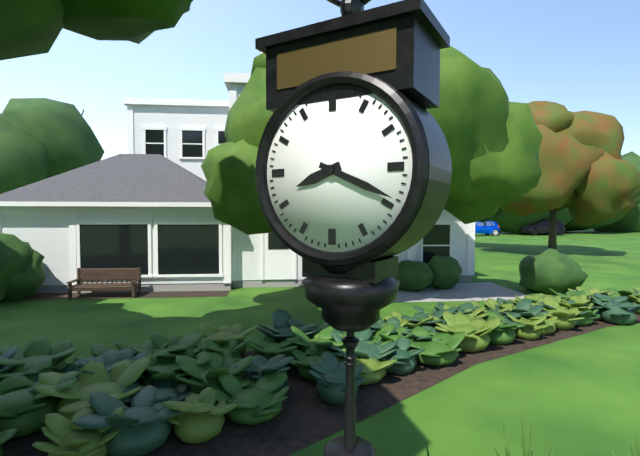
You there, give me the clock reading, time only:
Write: 8:19
